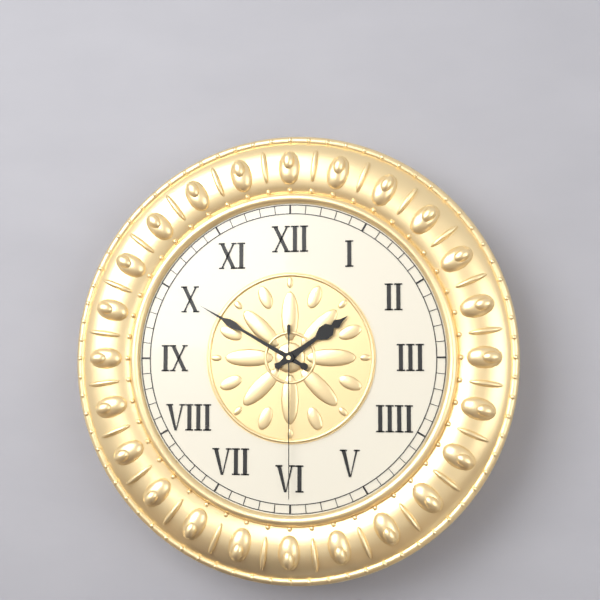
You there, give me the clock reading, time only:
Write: 1:50:30
